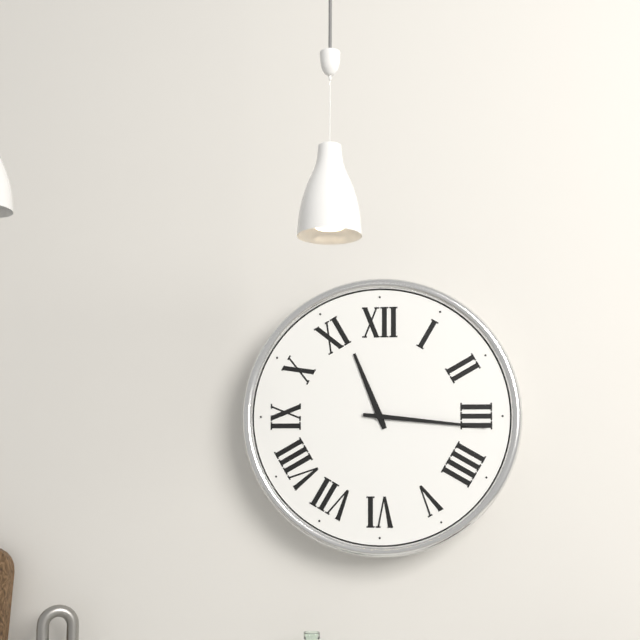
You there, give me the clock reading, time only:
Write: 11:16
